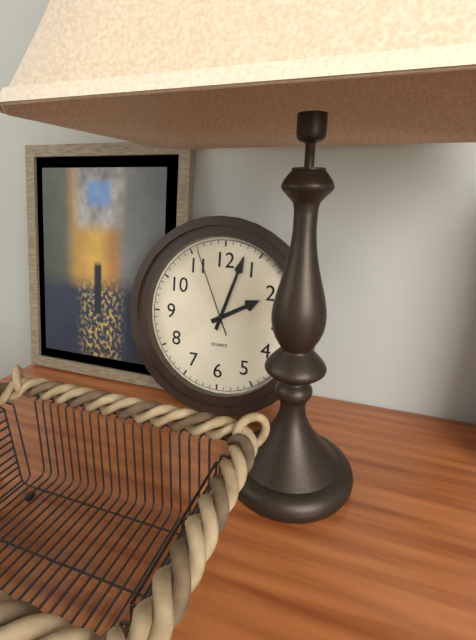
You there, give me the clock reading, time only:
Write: 2:03:56
